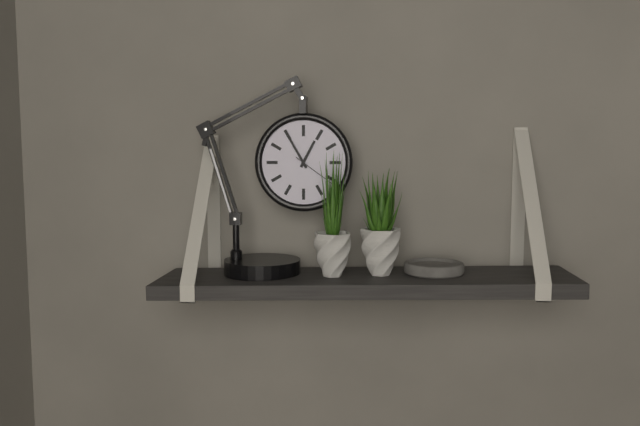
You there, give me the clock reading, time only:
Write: 12:55
